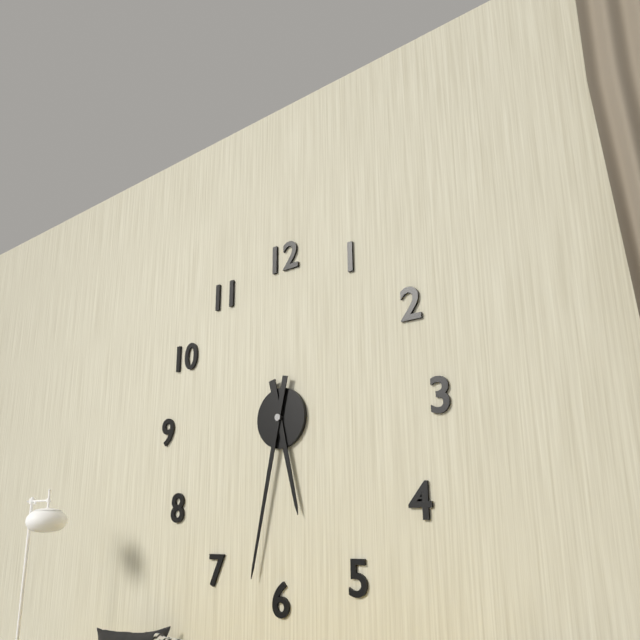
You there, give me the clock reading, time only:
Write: 5:32
